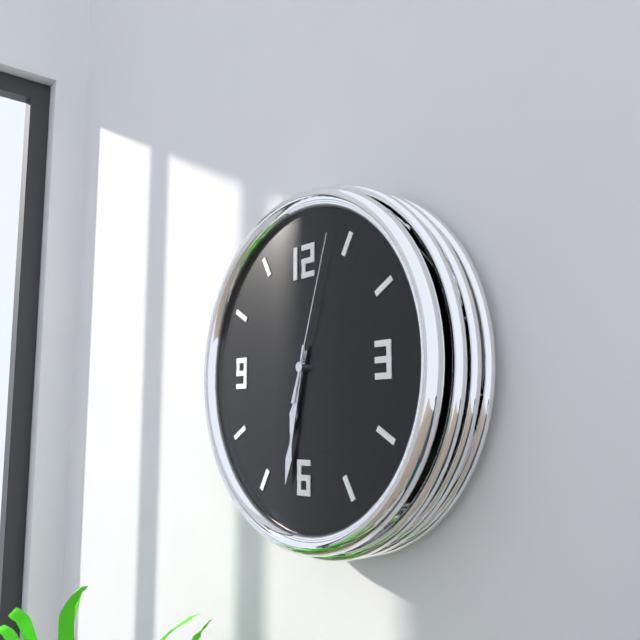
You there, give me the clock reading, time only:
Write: 6:32:03
